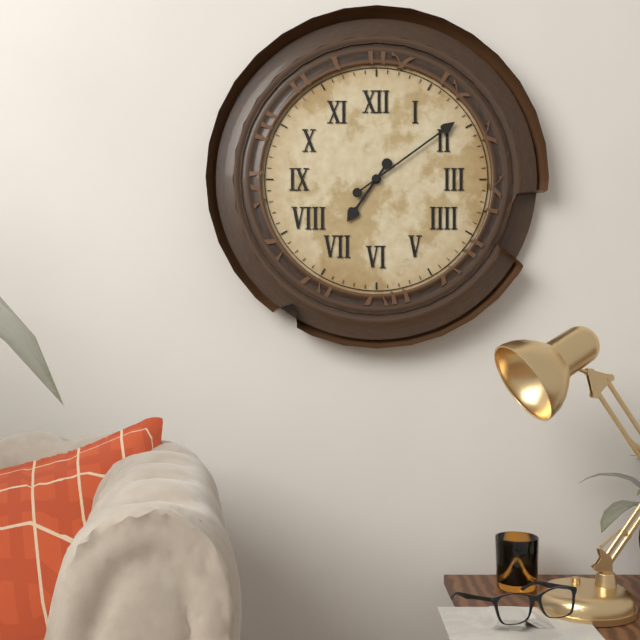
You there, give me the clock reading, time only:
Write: 7:09
